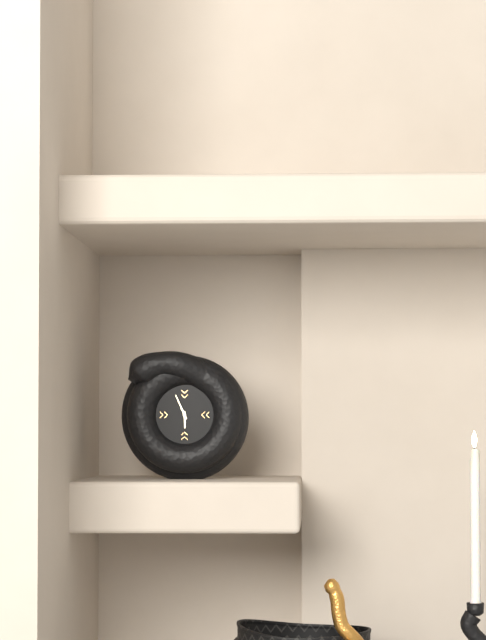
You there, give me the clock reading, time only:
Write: 5:56
